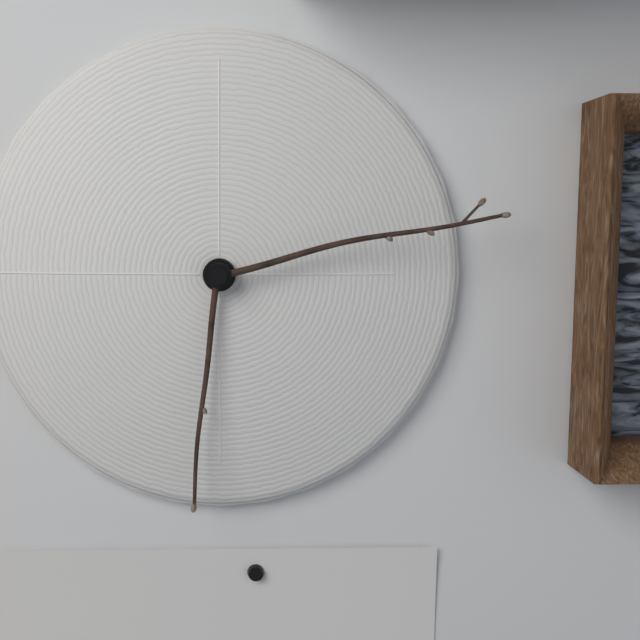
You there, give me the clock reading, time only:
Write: 6:13
